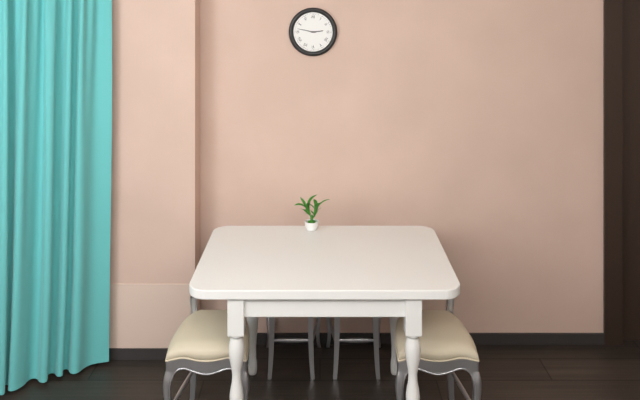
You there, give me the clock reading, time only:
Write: 2:47
